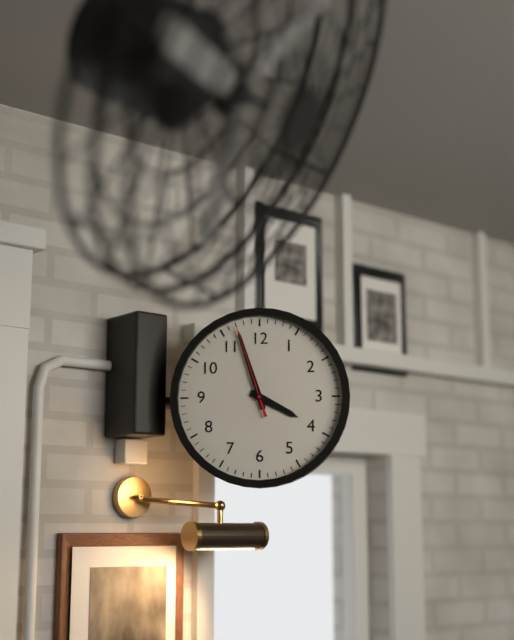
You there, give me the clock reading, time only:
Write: 3:57:57
